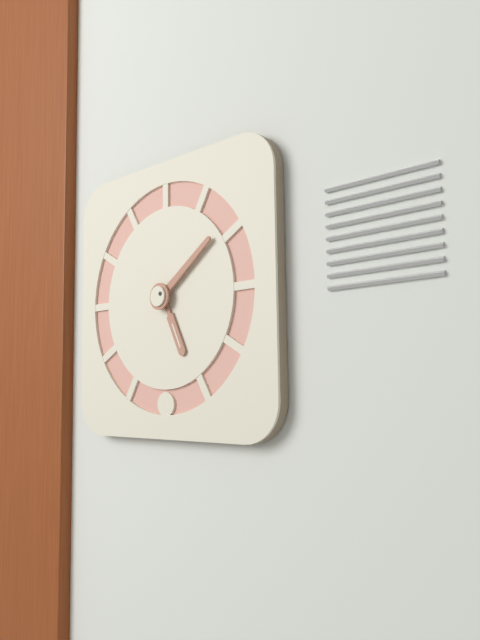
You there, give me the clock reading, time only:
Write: 5:09
